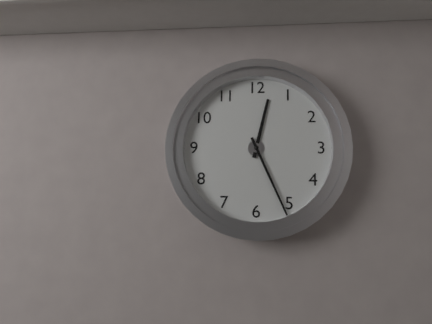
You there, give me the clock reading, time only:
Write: 12:26
